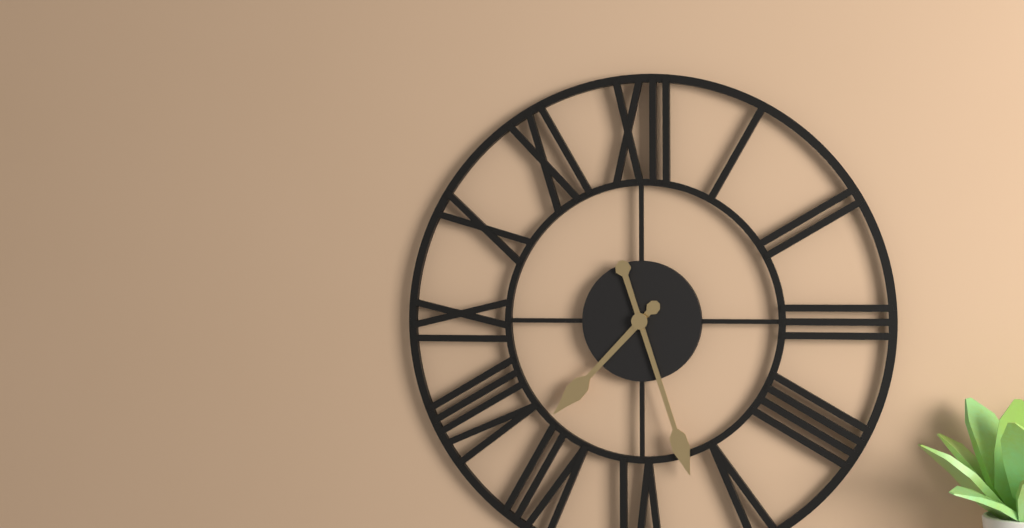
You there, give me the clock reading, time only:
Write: 7:27
